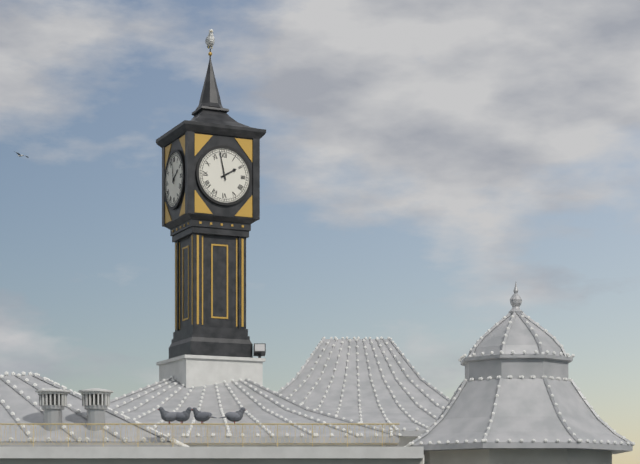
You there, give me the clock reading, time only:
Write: 1:58
